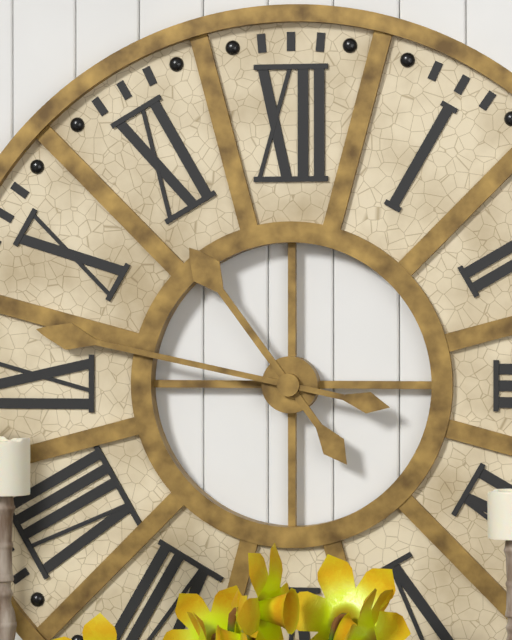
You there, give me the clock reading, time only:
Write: 10:47
